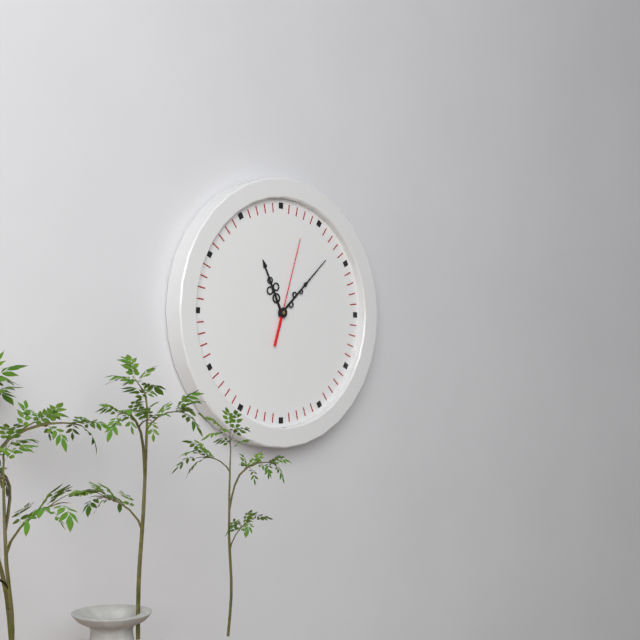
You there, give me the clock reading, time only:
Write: 11:08:03
